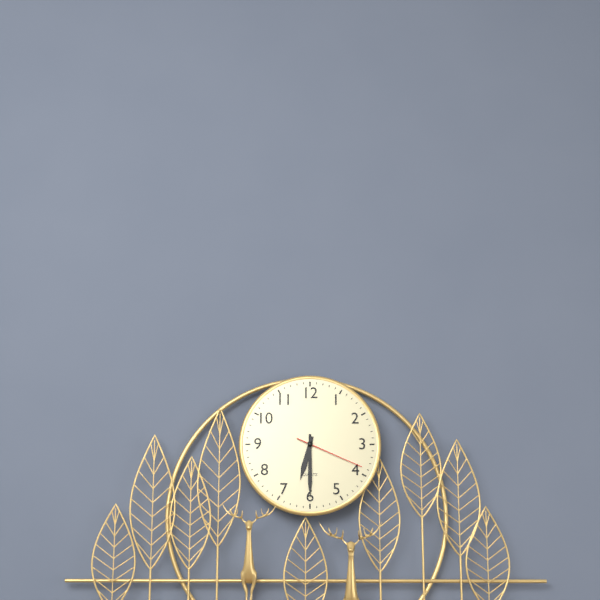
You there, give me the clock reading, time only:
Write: 6:30:19
